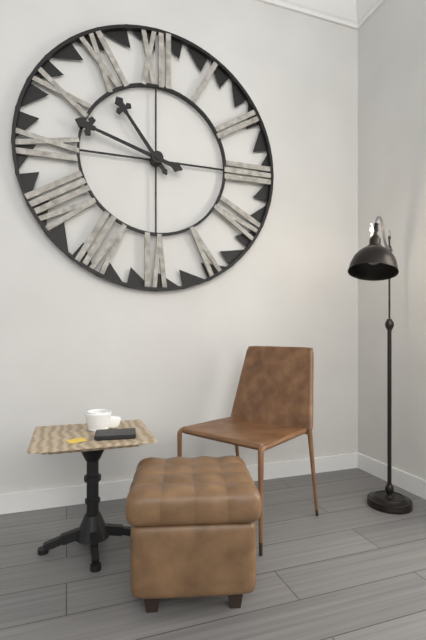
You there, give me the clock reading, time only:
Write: 10:48
